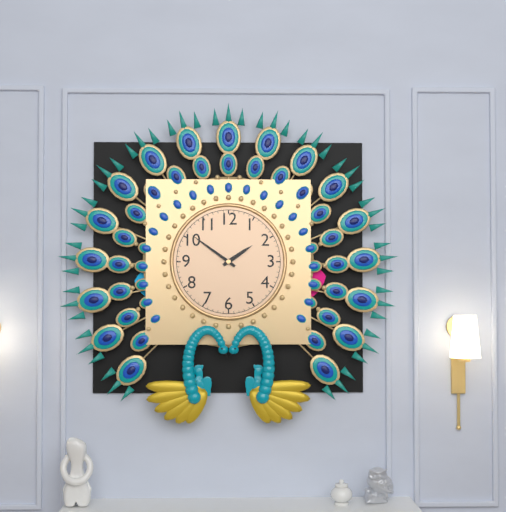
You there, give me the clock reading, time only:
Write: 1:51
